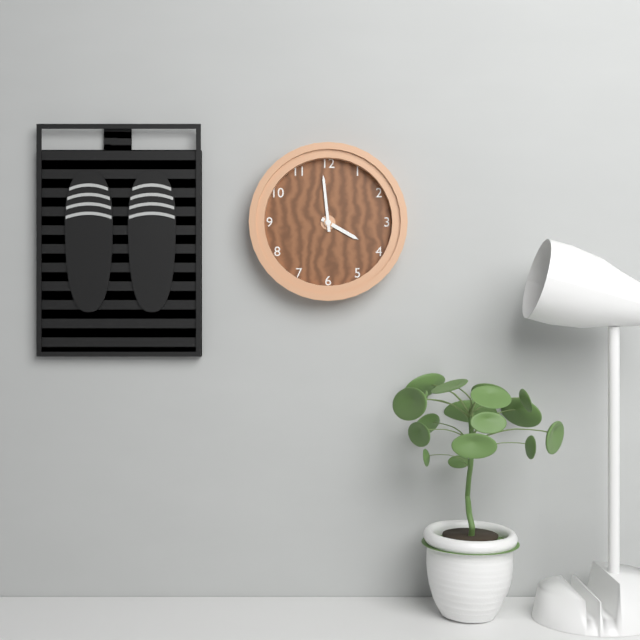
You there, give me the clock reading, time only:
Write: 3:59
